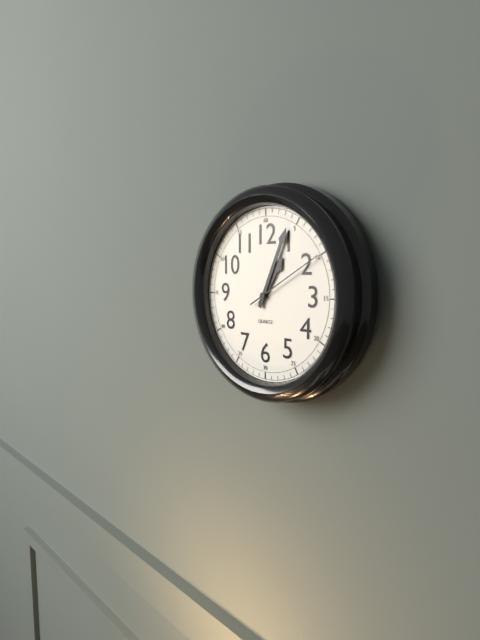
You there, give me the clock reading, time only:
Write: 1:04:10
